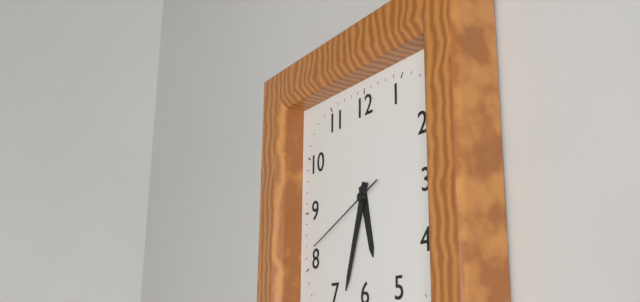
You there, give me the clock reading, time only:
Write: 5:33:41
